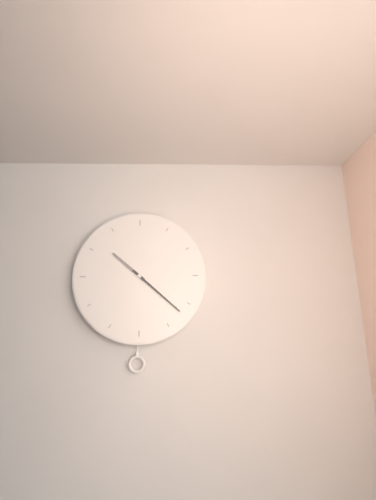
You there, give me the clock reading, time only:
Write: 10:22
